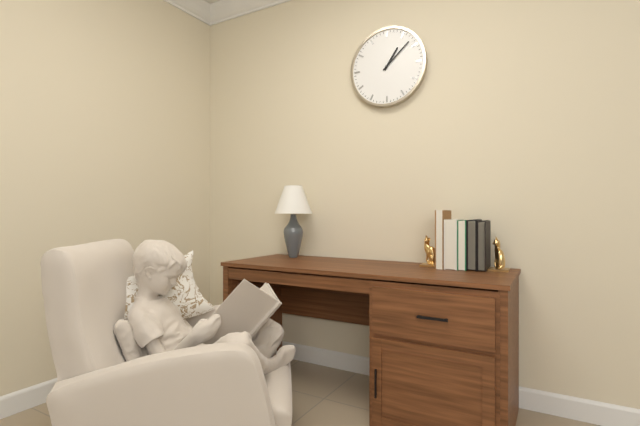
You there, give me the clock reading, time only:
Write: 1:08
